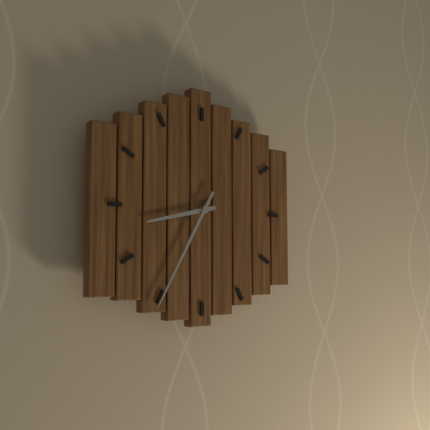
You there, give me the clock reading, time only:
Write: 8:35
